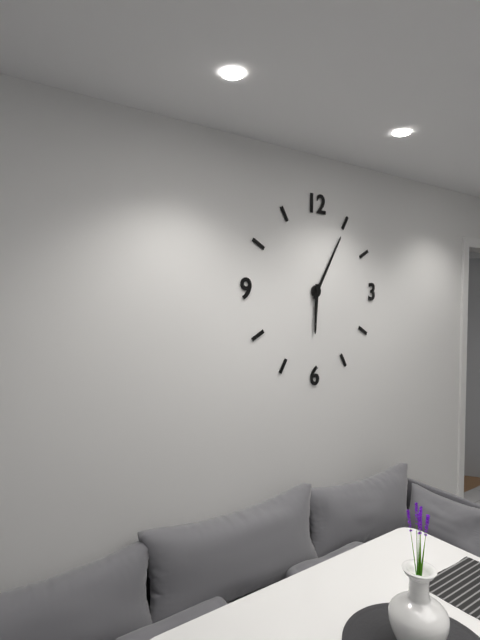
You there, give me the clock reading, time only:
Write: 6:05
